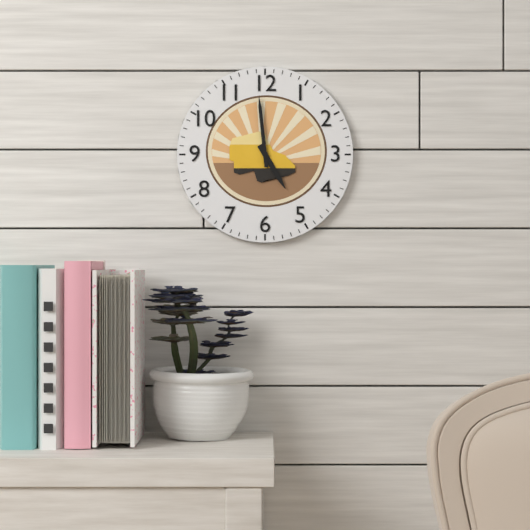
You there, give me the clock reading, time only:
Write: 4:59
